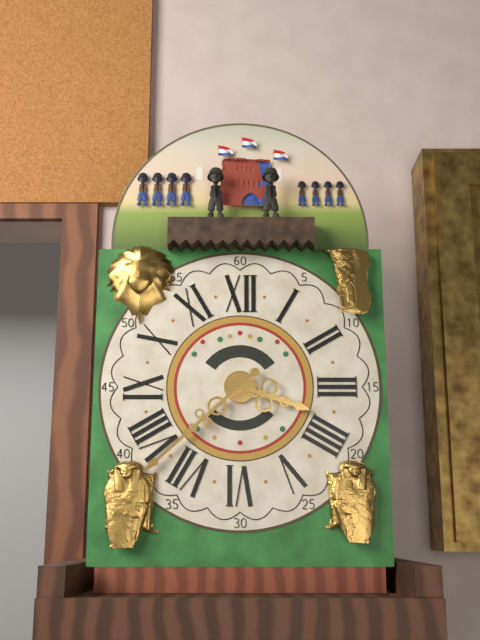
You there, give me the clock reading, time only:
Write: 3:38
